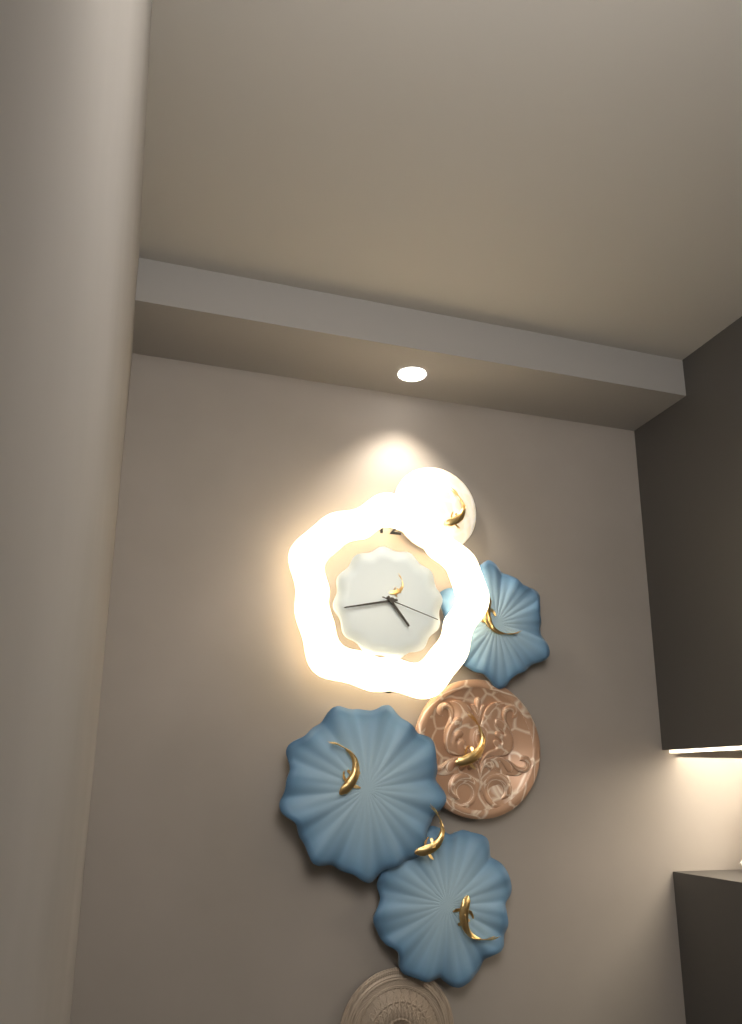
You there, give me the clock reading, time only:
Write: 4:43:18
